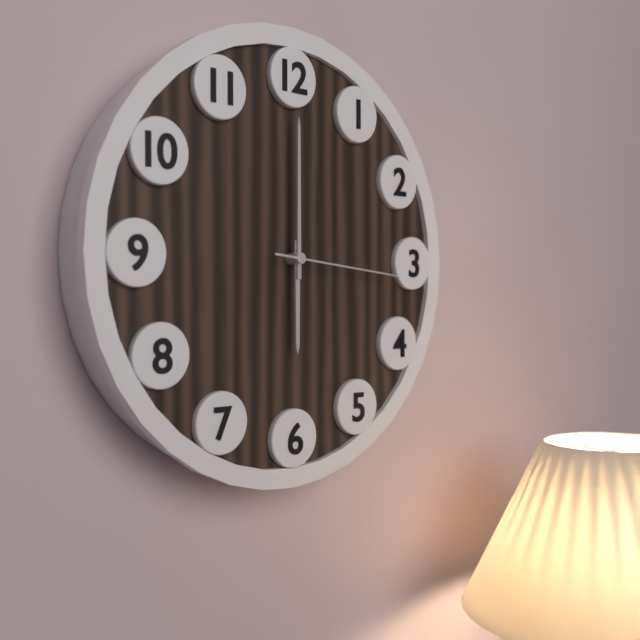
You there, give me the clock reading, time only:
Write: 6:00:16
